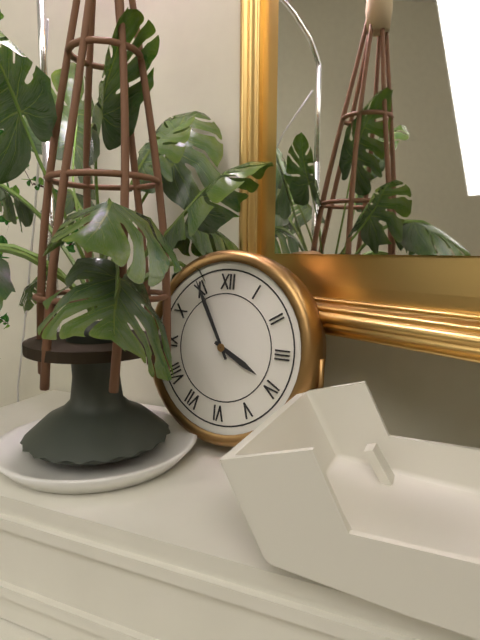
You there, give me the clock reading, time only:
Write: 3:55
